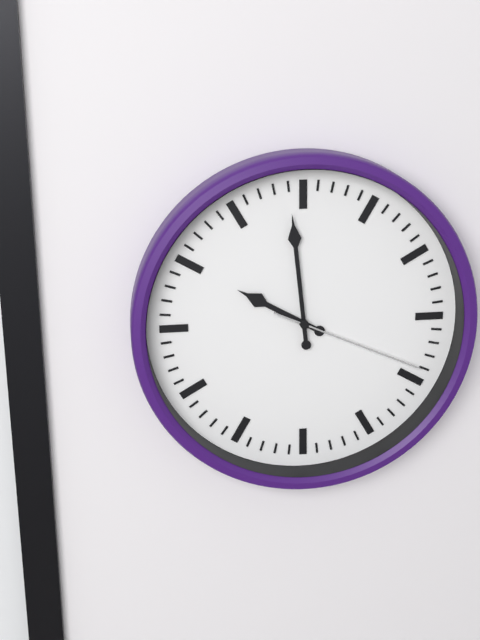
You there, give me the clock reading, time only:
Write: 9:59:19
